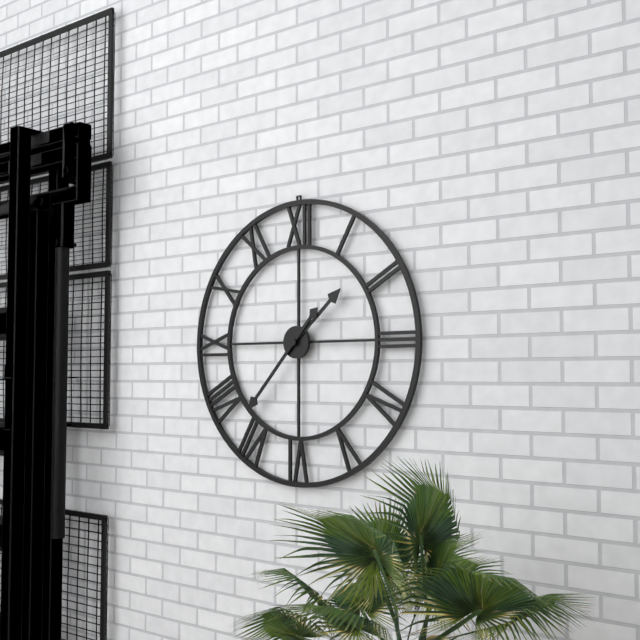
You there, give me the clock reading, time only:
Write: 1:37
